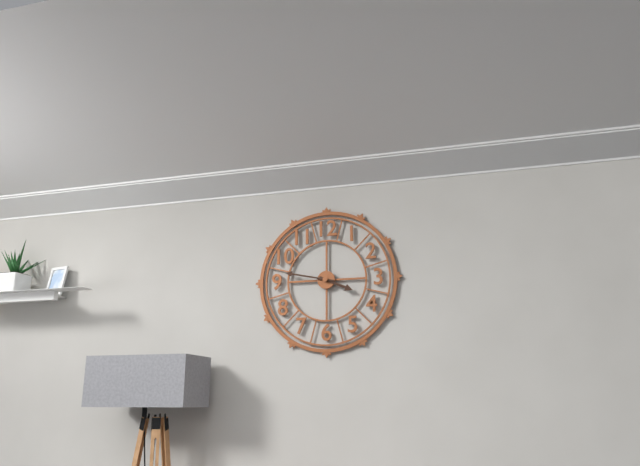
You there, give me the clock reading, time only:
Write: 3:47
